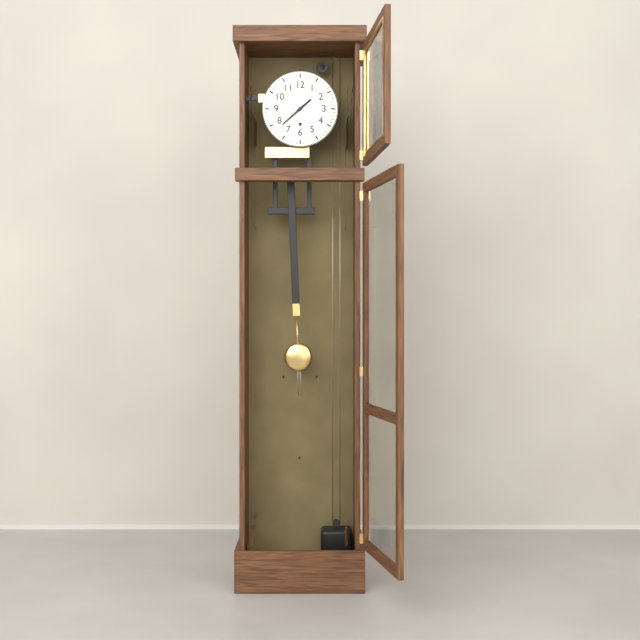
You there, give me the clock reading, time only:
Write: 1:38
